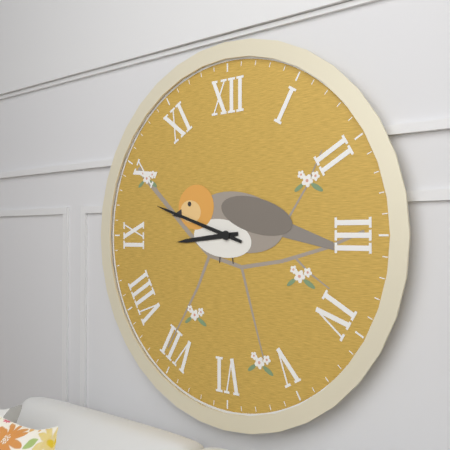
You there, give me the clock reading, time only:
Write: 8:48
